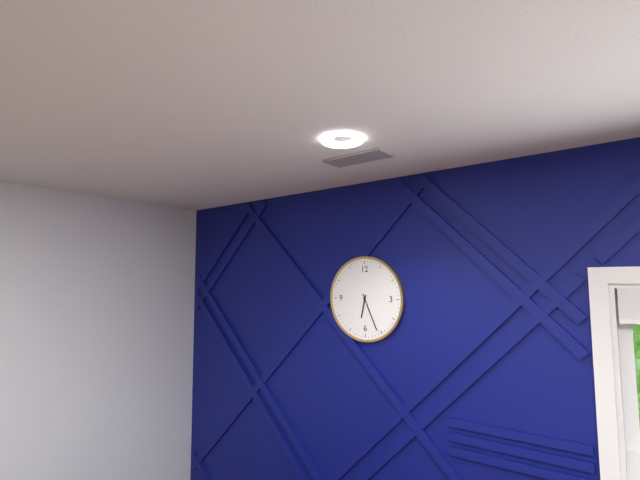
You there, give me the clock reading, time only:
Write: 6:26
